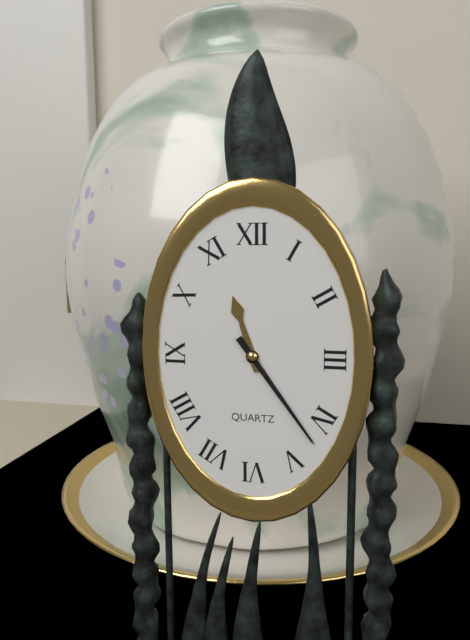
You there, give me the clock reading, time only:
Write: 11:24
